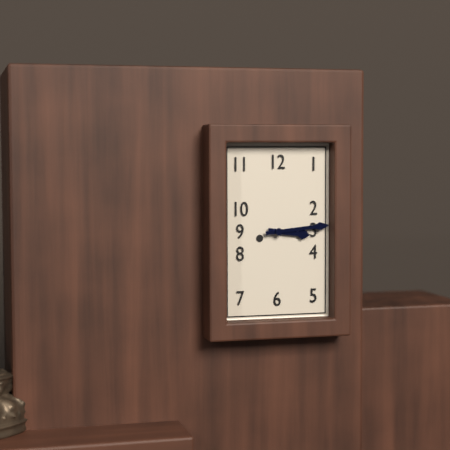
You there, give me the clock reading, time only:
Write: 3:14
